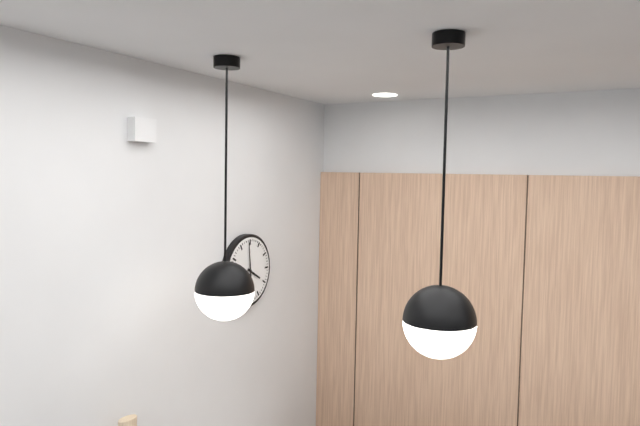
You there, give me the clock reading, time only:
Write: 3:59
